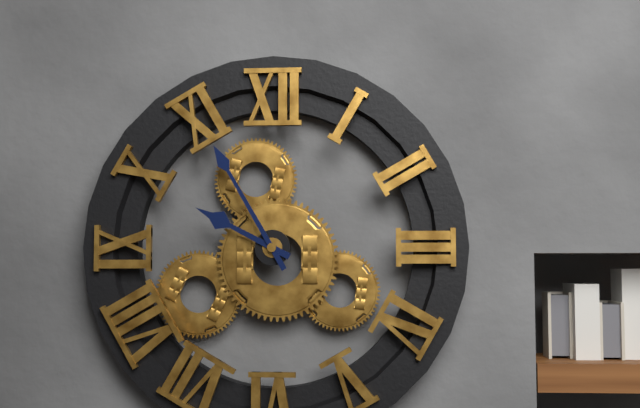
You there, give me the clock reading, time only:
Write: 9:55
